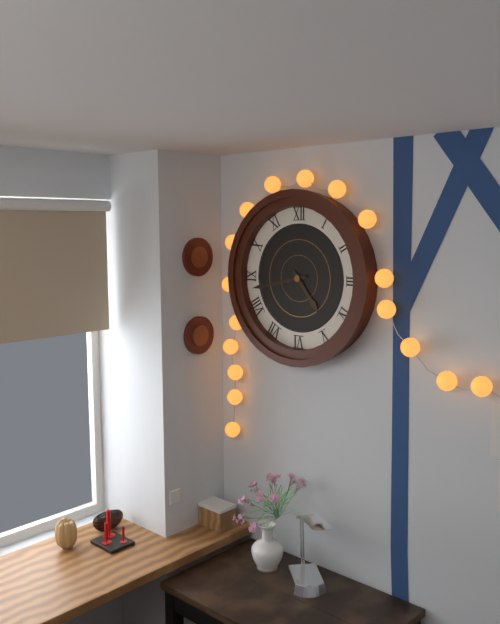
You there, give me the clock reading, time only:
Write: 4:43
